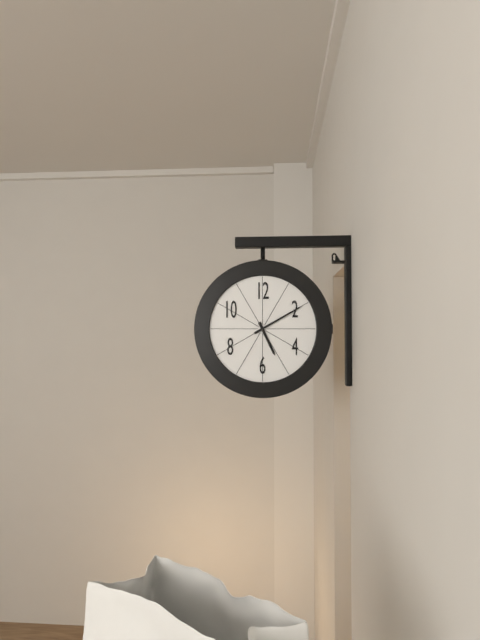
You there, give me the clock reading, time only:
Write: 5:10
